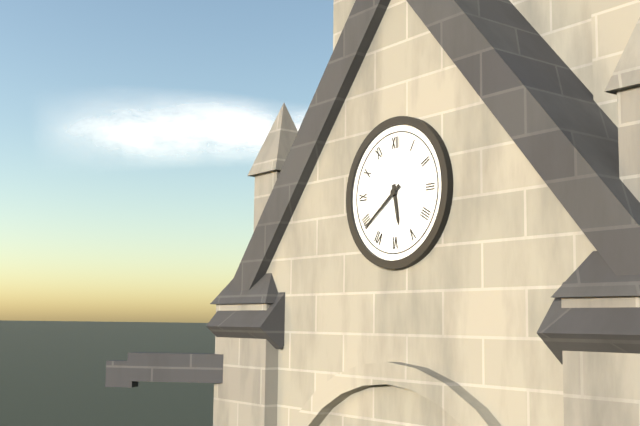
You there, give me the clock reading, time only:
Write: 5:39
